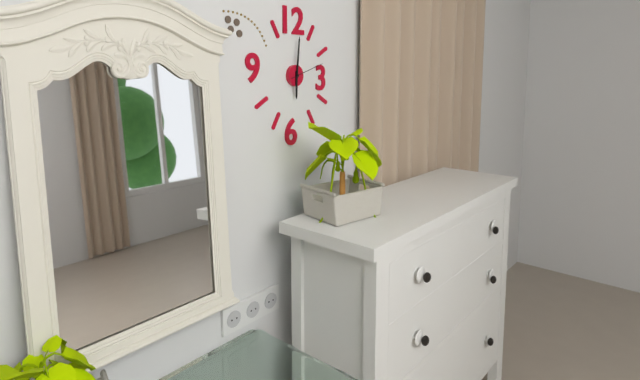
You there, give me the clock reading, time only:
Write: 6:01
